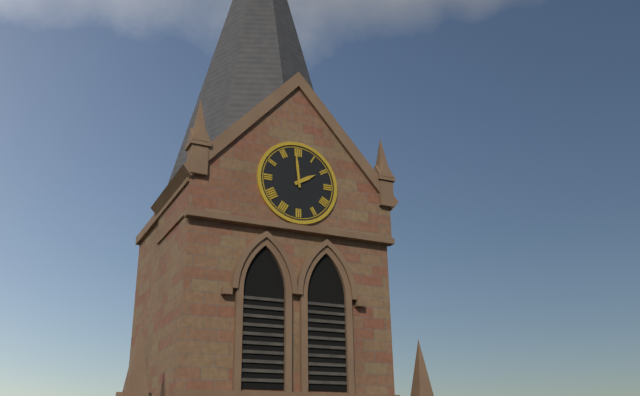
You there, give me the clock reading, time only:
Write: 1:59
